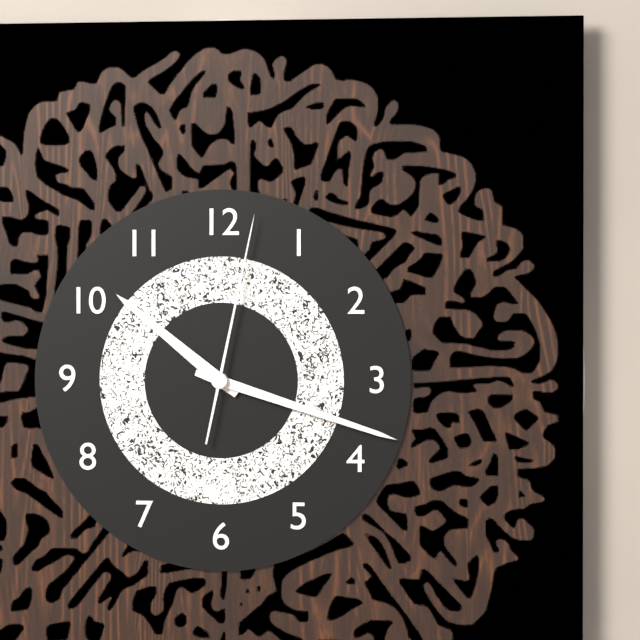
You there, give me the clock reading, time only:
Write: 10:18:02
